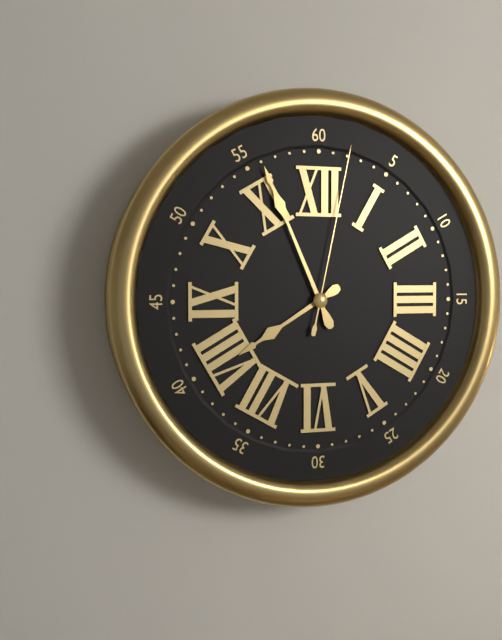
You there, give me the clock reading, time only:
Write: 7:56:02
